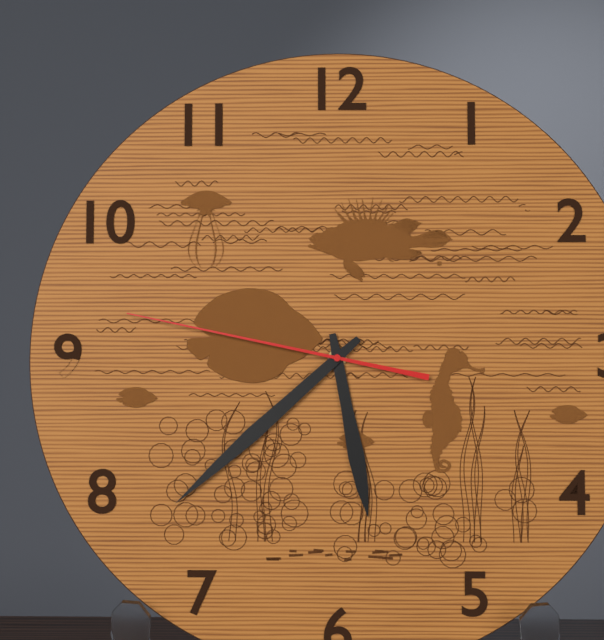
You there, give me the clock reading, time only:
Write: 5:38:47
